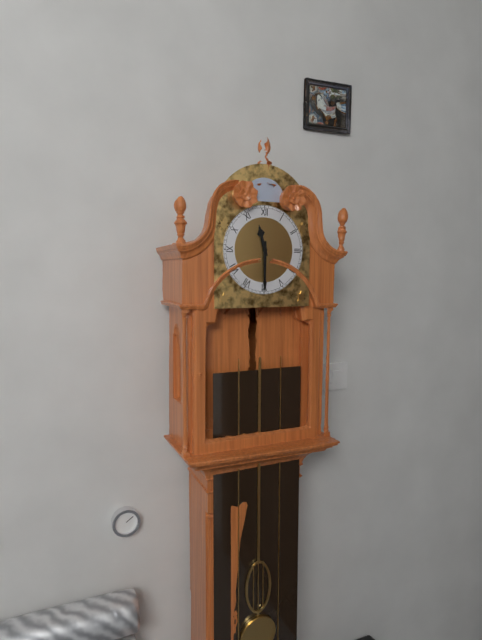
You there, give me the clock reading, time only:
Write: 11:30
